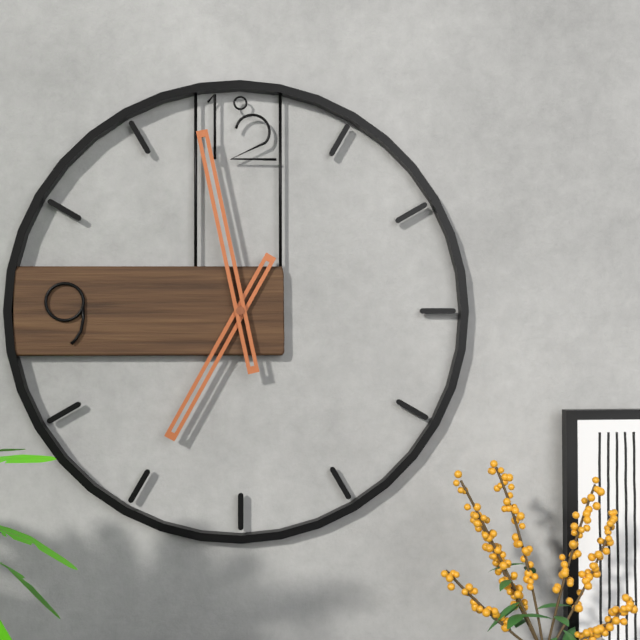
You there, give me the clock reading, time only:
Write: 6:58
